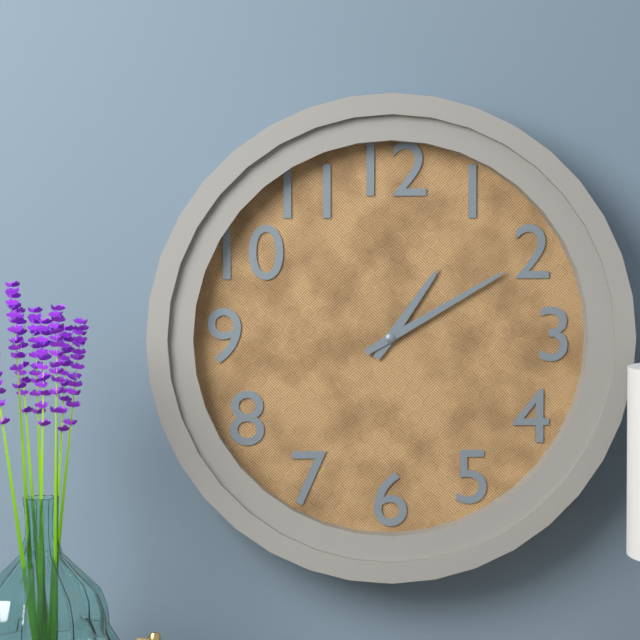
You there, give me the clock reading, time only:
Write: 1:10
